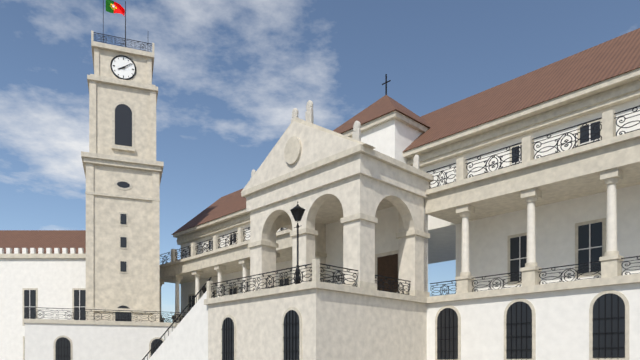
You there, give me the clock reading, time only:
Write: 8:09
